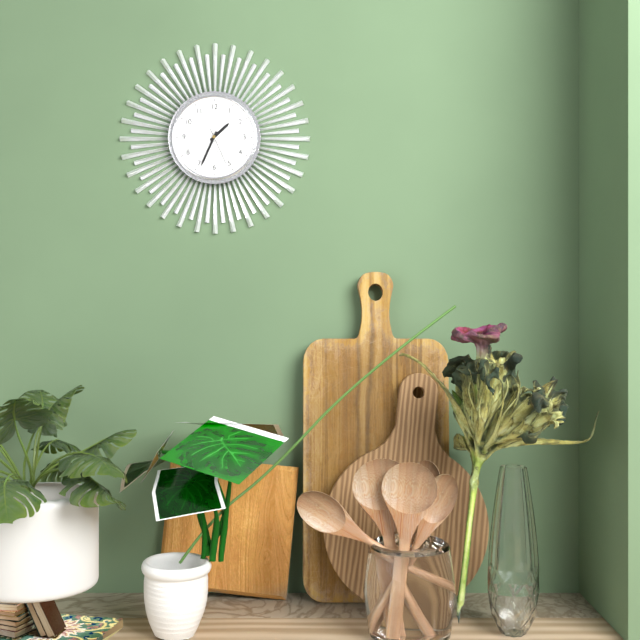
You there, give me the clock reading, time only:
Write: 1:34
